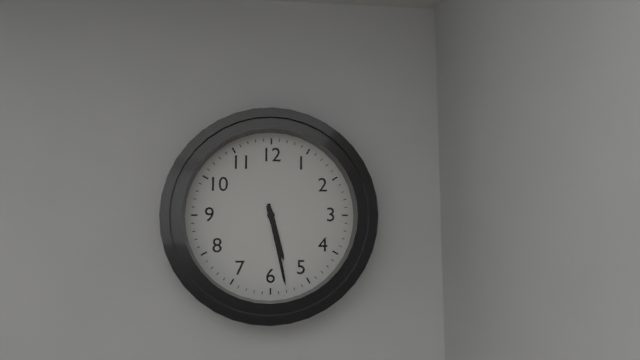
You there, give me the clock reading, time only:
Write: 5:28
